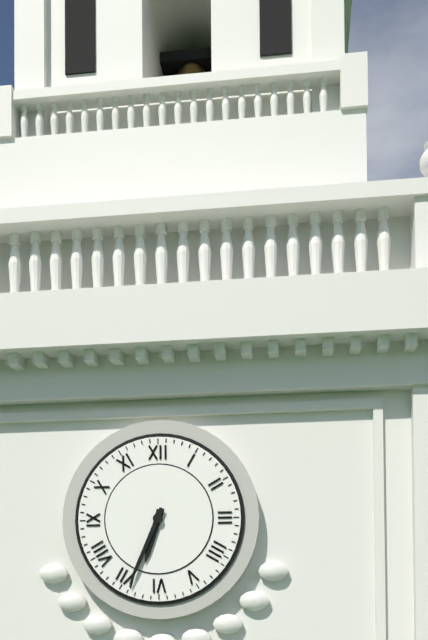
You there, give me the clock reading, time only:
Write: 6:34
